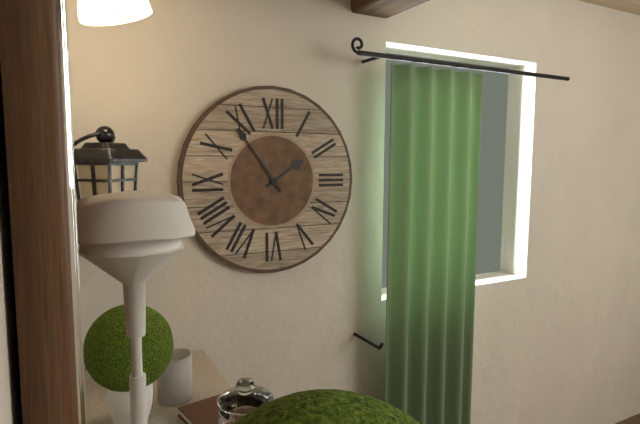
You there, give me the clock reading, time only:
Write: 1:54
